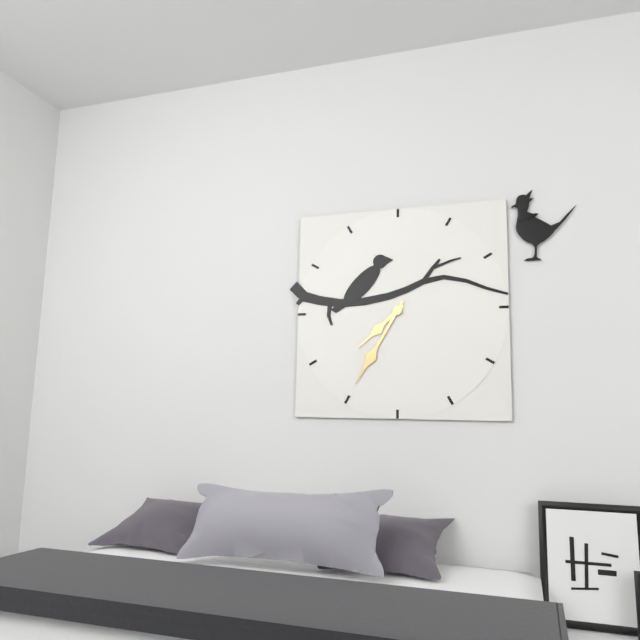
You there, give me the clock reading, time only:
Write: 7:35
